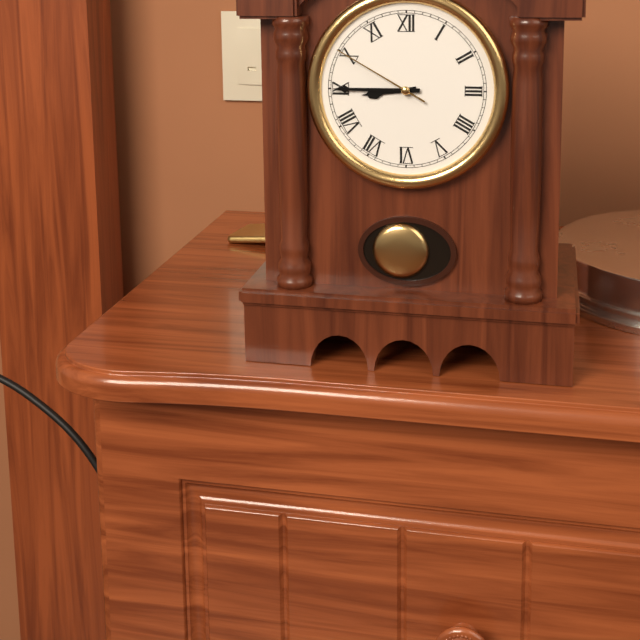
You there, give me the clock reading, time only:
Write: 8:45:50
